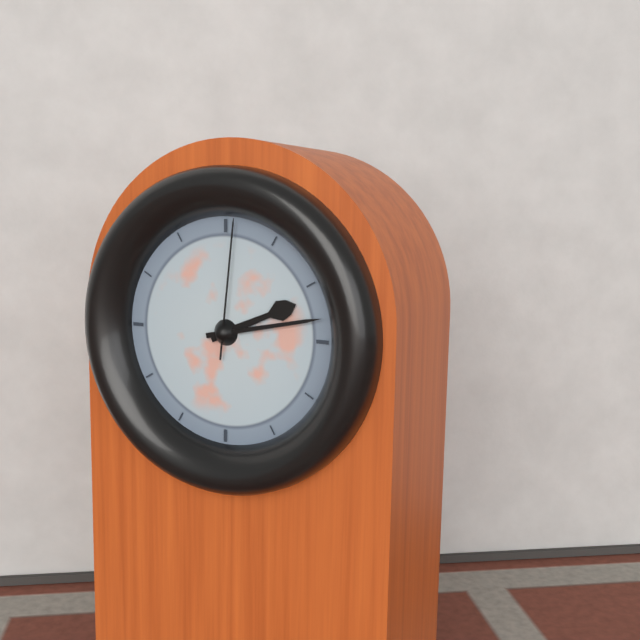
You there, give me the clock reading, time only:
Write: 2:13:01
